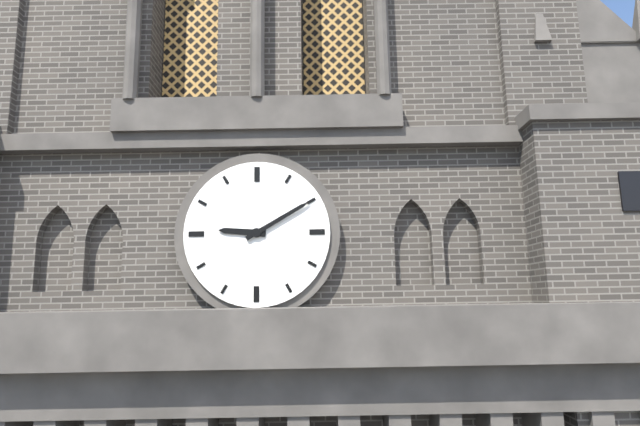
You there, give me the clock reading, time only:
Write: 9:10
